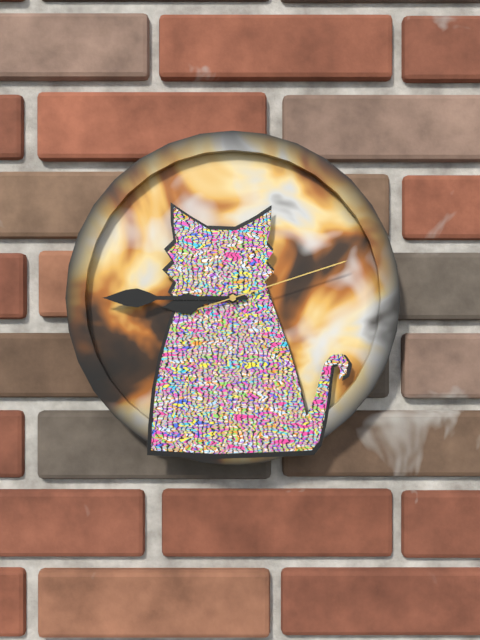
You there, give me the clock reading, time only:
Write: 8:45:12
